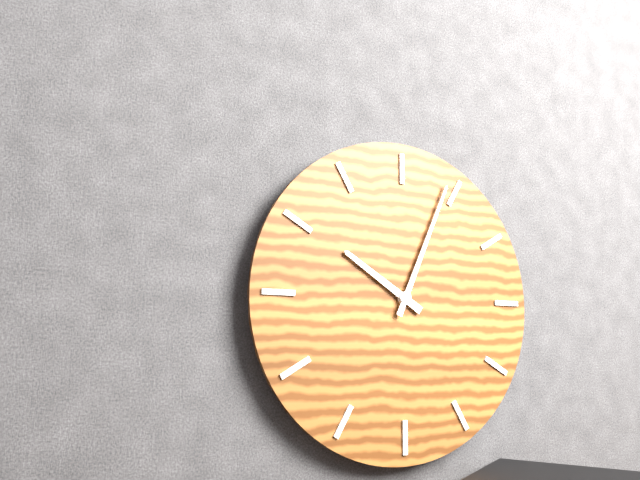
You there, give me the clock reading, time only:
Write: 10:04
